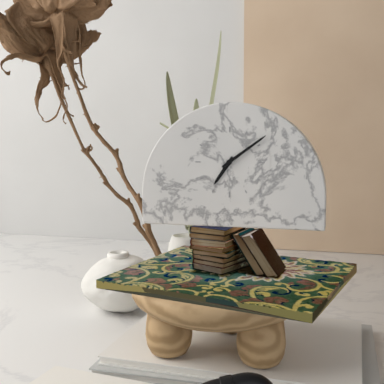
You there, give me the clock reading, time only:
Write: 7:09
